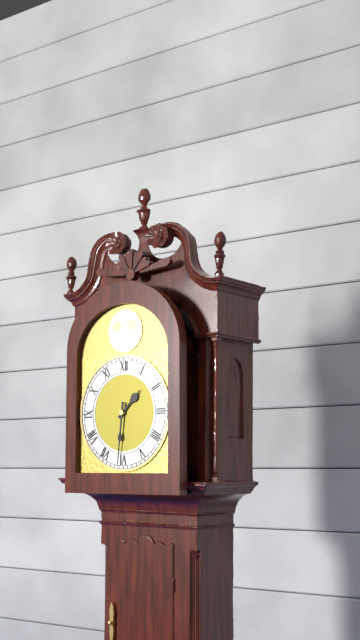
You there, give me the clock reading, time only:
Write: 1:31
